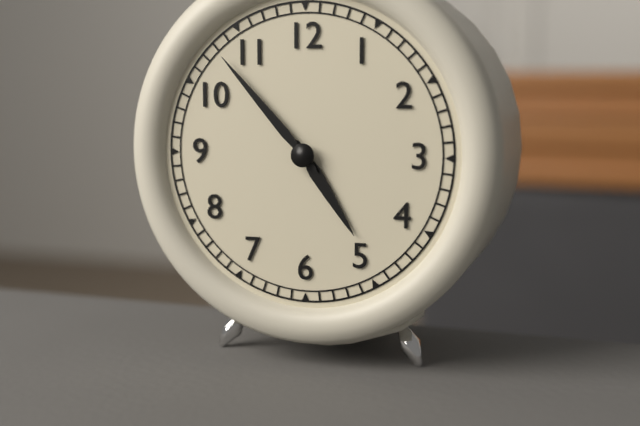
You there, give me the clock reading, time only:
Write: 4:53
